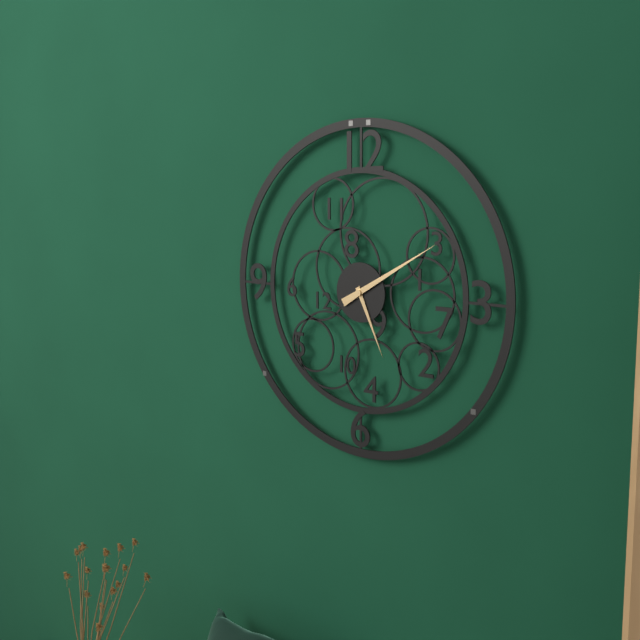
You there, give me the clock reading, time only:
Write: 5:10
